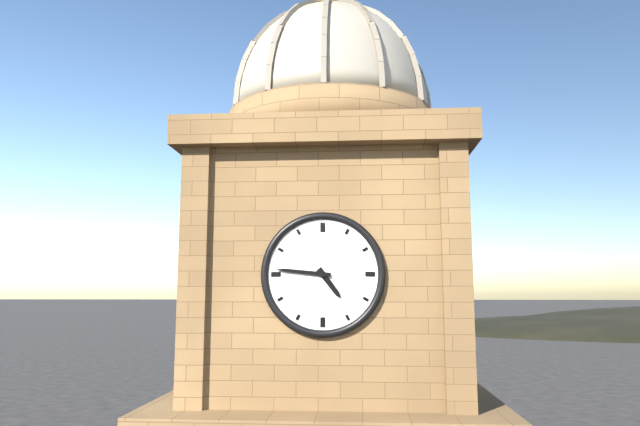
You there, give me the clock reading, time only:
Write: 4:46
